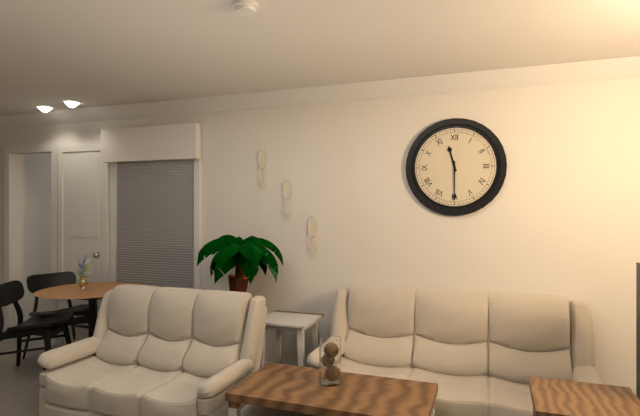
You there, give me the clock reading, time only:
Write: 11:30
